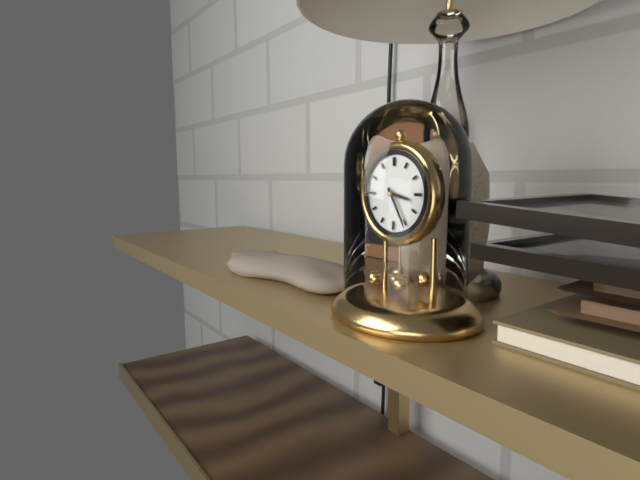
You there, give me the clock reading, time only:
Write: 3:25
